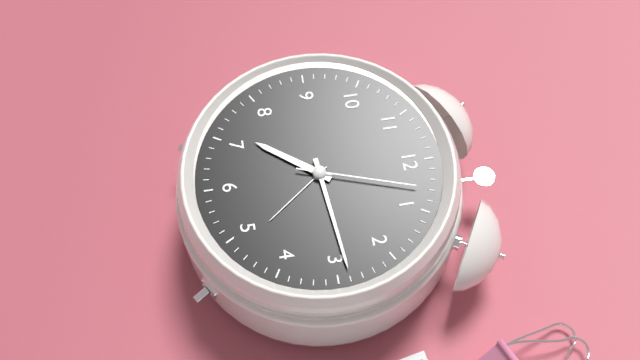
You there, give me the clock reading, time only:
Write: 7:14:03
